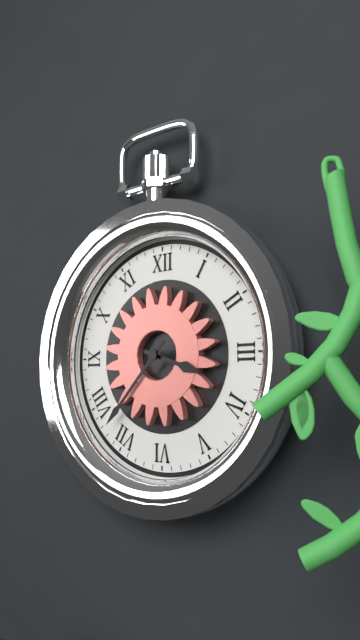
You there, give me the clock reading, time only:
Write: 3:37
